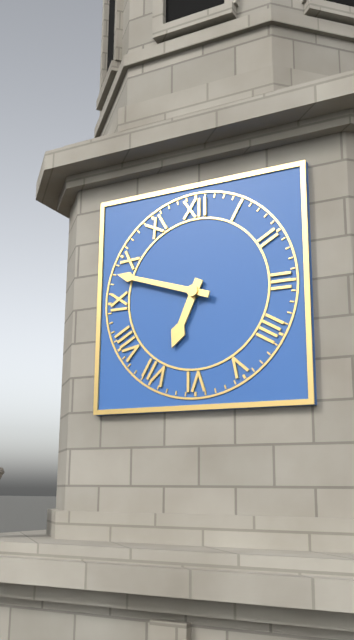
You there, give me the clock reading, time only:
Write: 6:48
